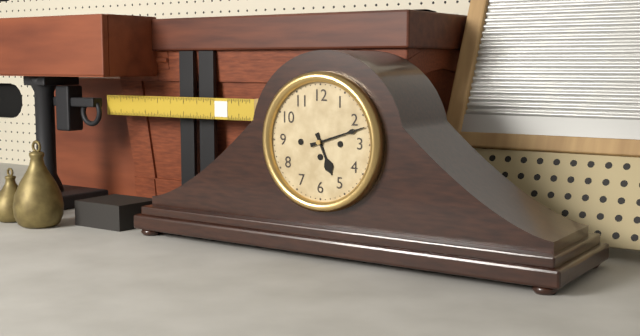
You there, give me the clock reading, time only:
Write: 5:12
